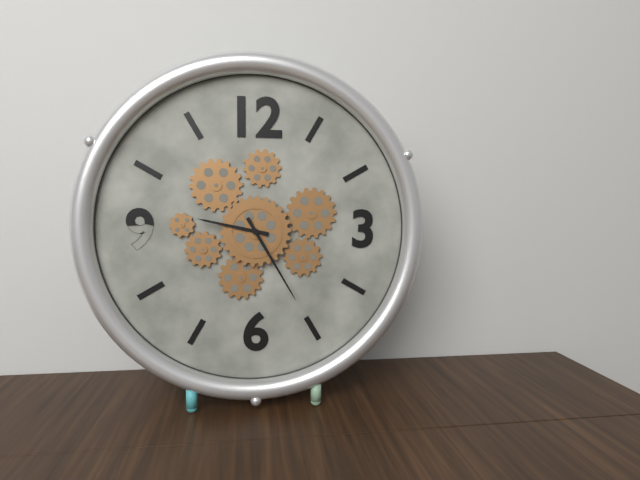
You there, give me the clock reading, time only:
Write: 9:25
